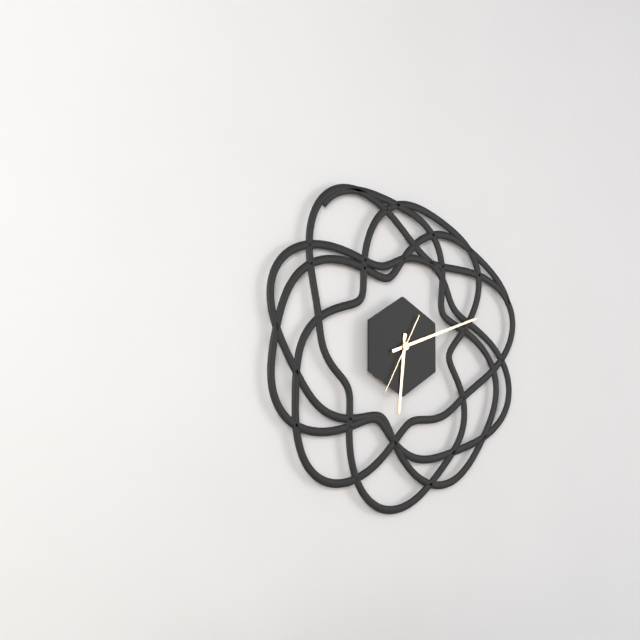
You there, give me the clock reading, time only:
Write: 6:12:35
